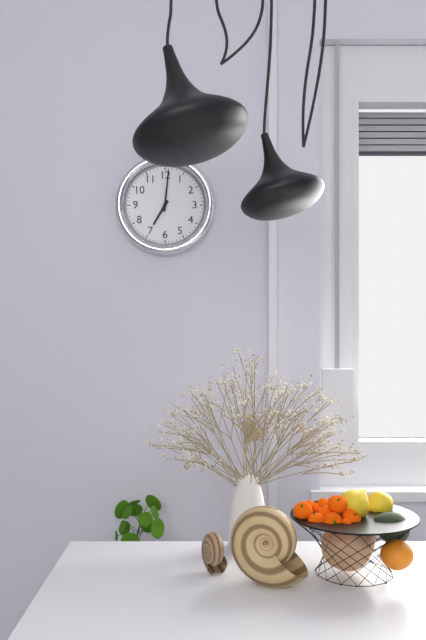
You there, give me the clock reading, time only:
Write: 7:01
